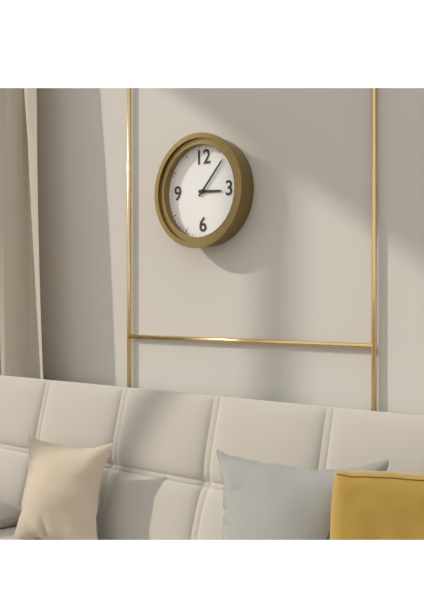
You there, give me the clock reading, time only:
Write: 3:07
